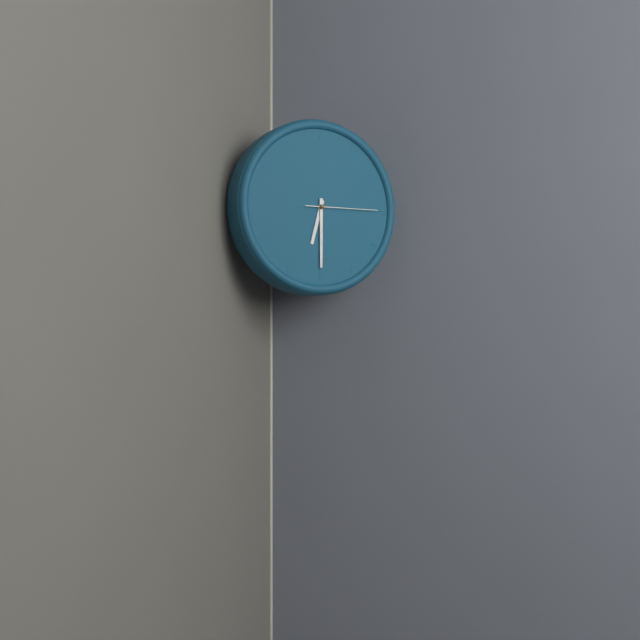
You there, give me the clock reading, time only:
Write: 6:30:15
